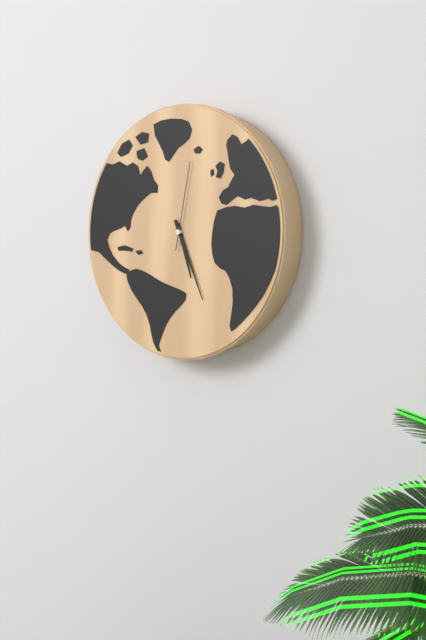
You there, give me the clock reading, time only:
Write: 5:26:02
